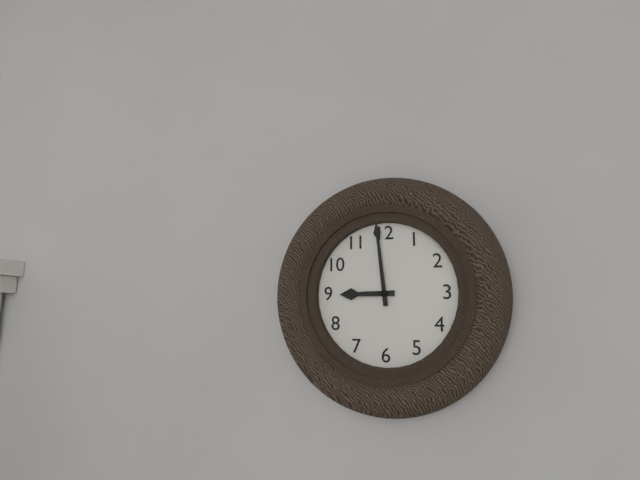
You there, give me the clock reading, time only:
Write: 8:59
